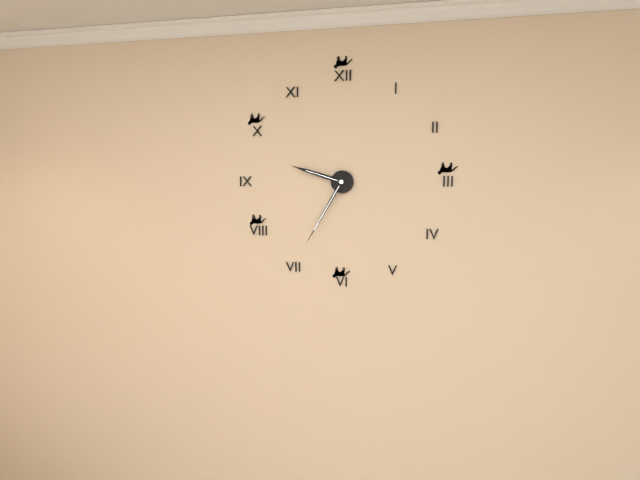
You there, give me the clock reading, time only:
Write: 9:35
